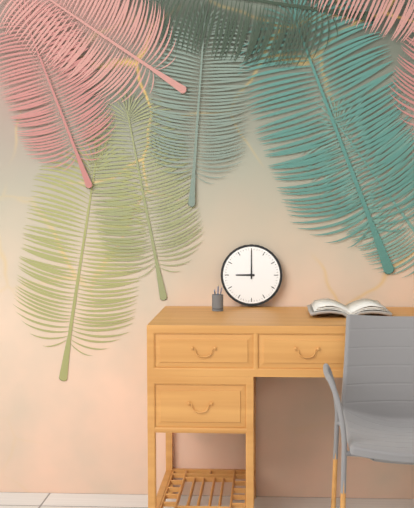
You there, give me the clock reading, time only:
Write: 9:00
